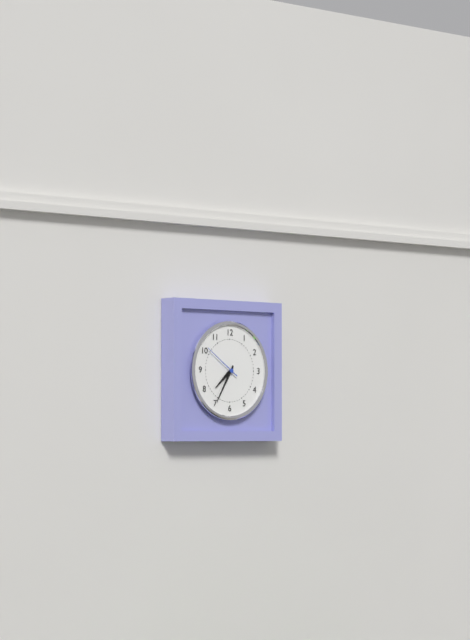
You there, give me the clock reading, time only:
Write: 7:35
